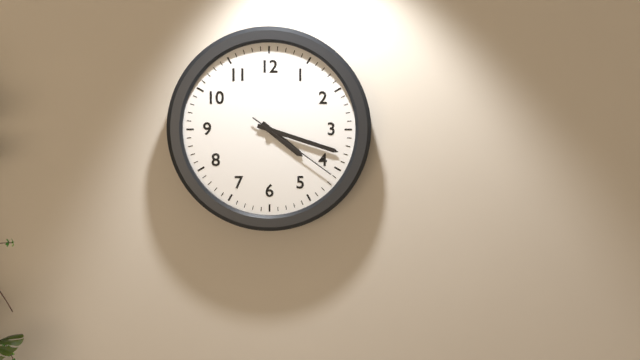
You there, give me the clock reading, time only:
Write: 4:18:21
